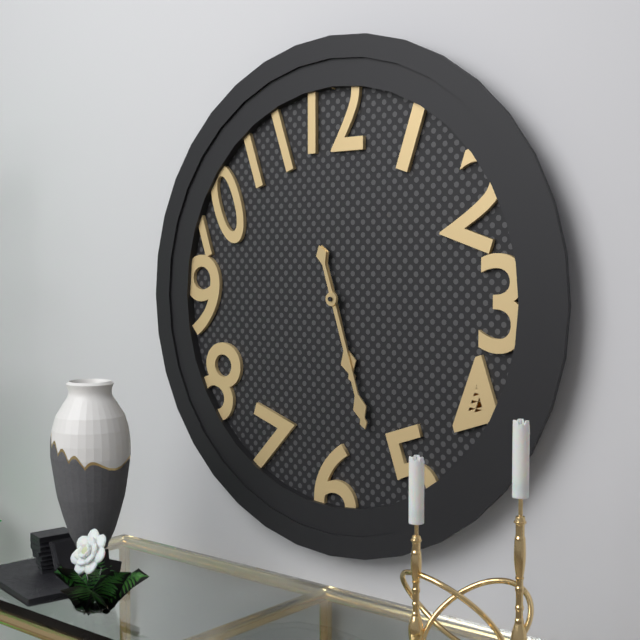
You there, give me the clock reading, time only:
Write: 5:27
